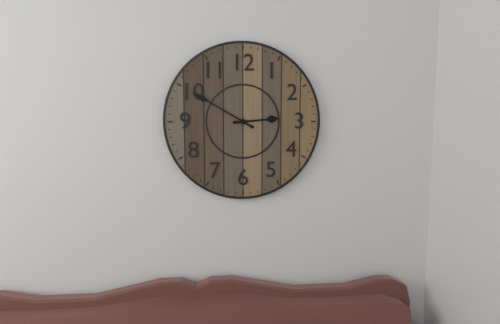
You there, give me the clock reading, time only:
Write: 2:50
